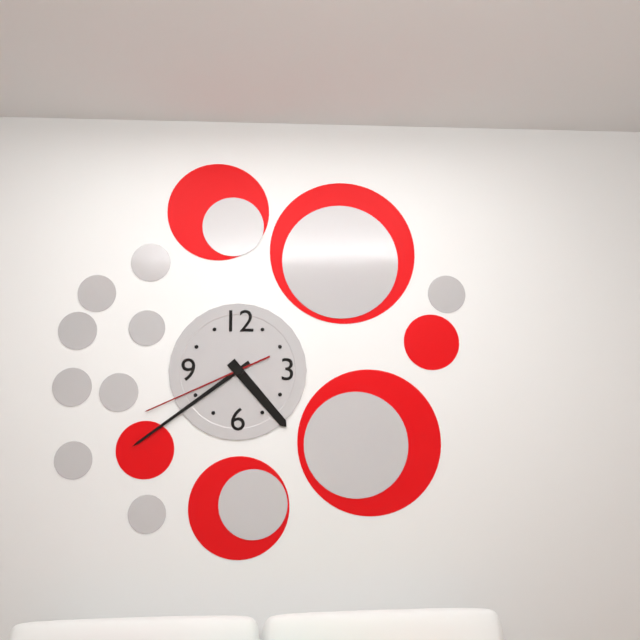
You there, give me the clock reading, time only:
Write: 4:39:41
